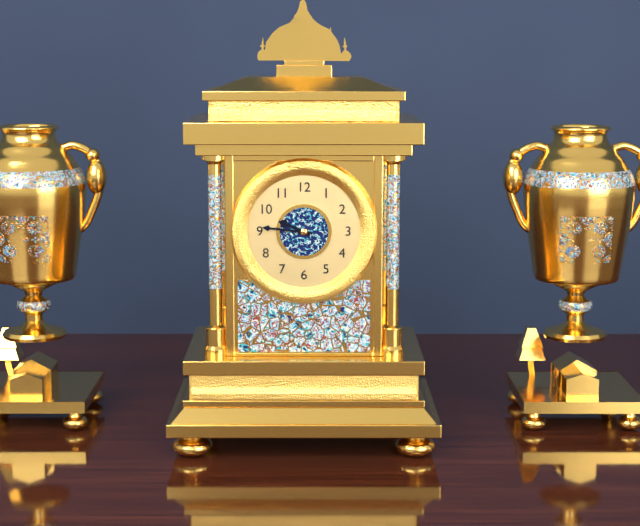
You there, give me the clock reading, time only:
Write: 9:46
